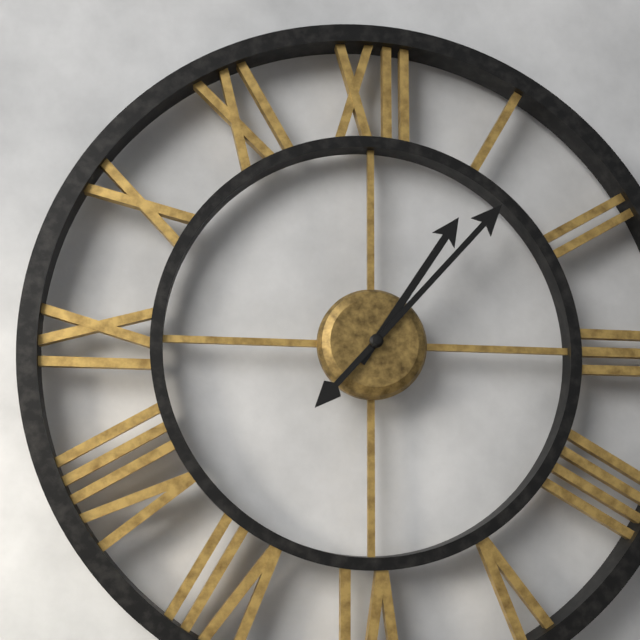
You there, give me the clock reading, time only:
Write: 1:07
